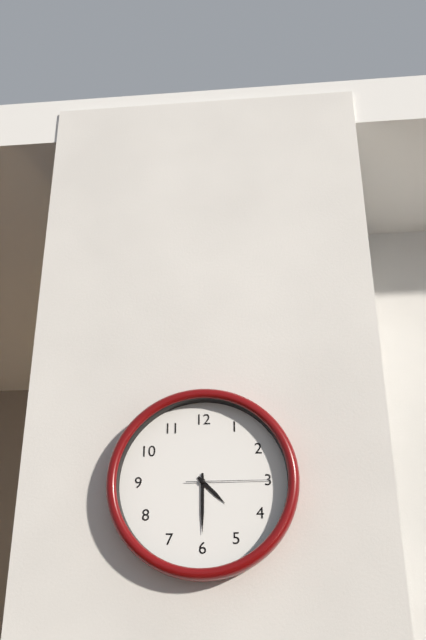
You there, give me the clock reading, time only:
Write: 4:30:15
